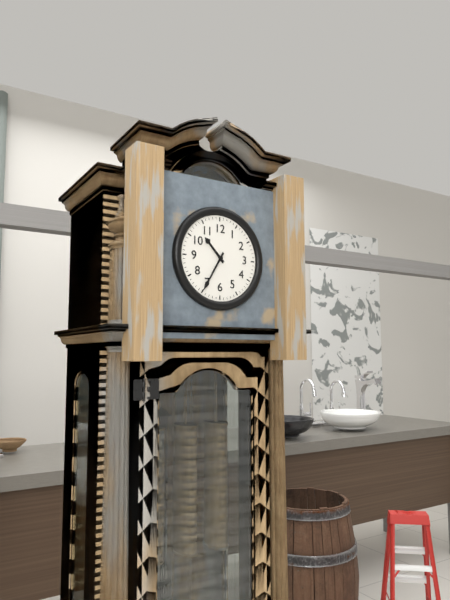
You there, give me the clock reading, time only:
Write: 10:35
